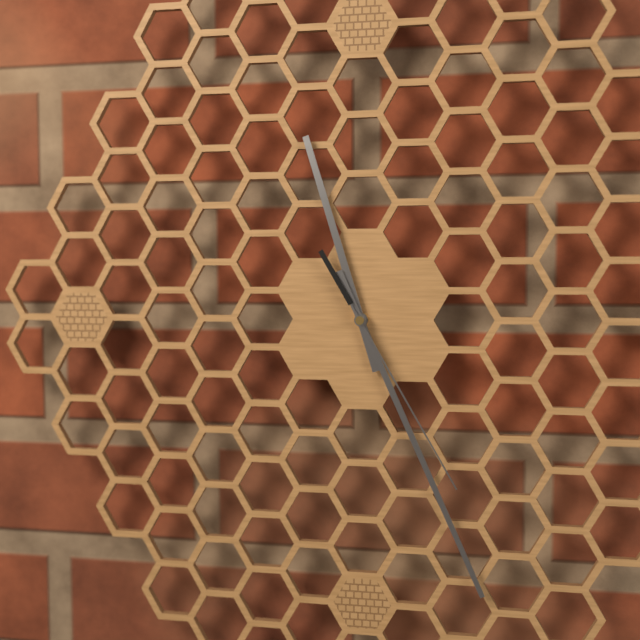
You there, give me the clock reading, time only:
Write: 11:26:25
